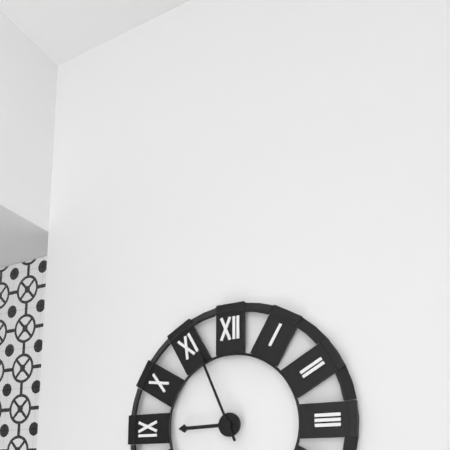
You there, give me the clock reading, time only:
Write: 8:56
